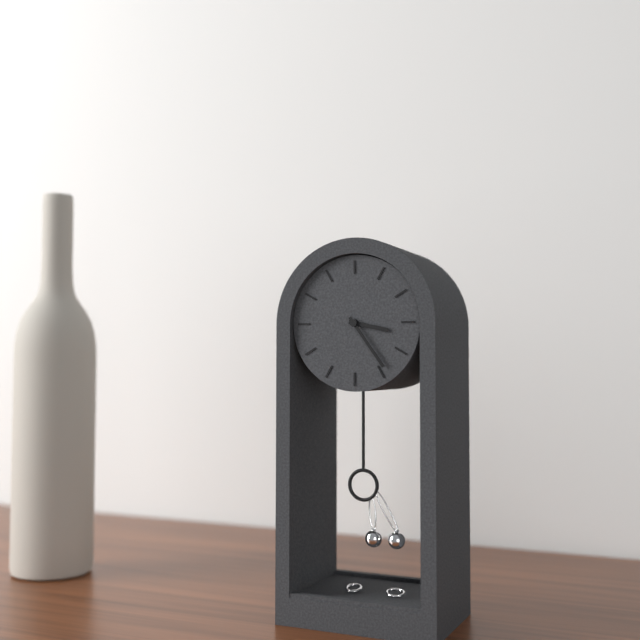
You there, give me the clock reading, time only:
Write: 3:24
